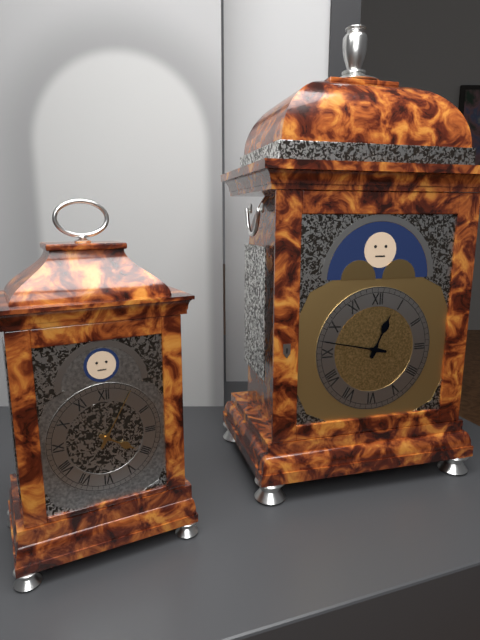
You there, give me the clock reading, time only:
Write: 12:47
